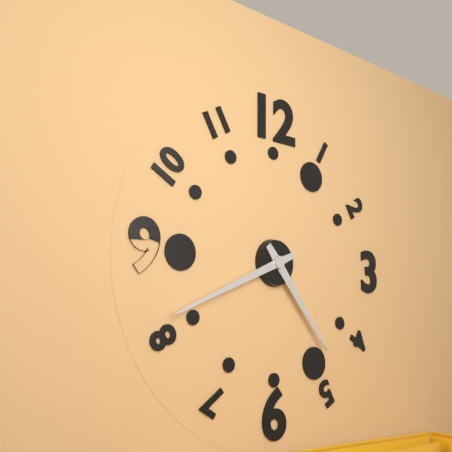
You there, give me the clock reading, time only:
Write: 4:41
